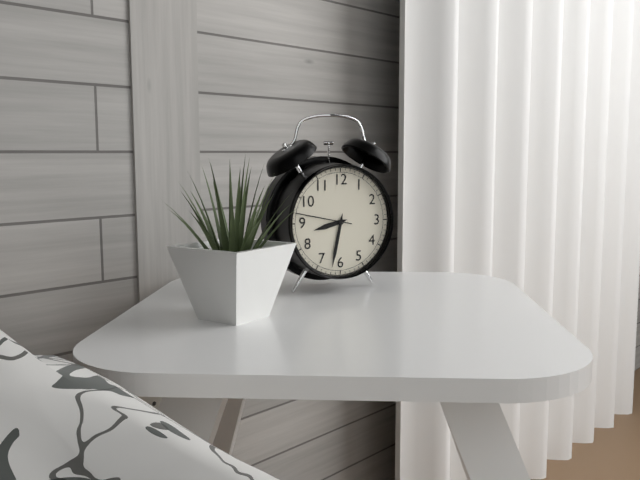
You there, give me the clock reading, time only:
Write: 8:32:47
